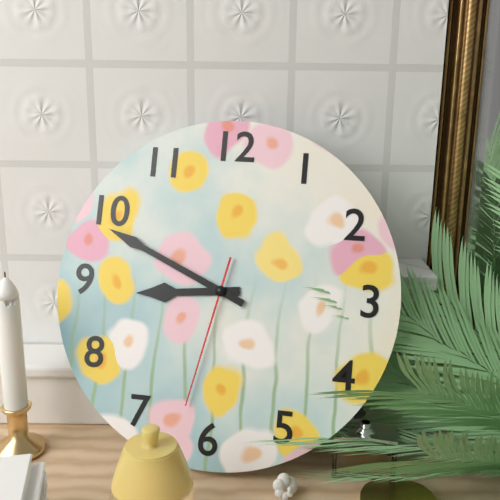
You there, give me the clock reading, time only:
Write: 8:49:32
